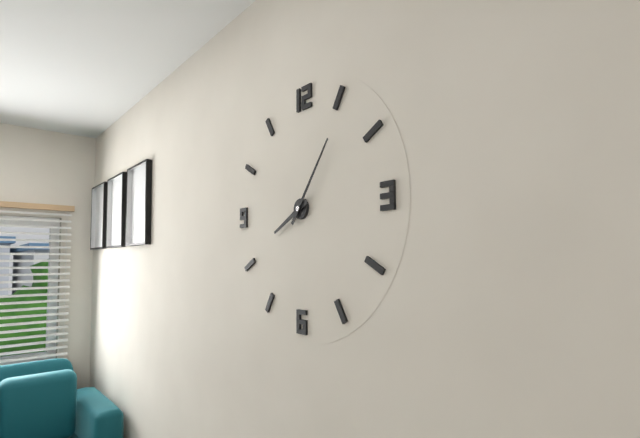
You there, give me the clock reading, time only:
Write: 8:06
